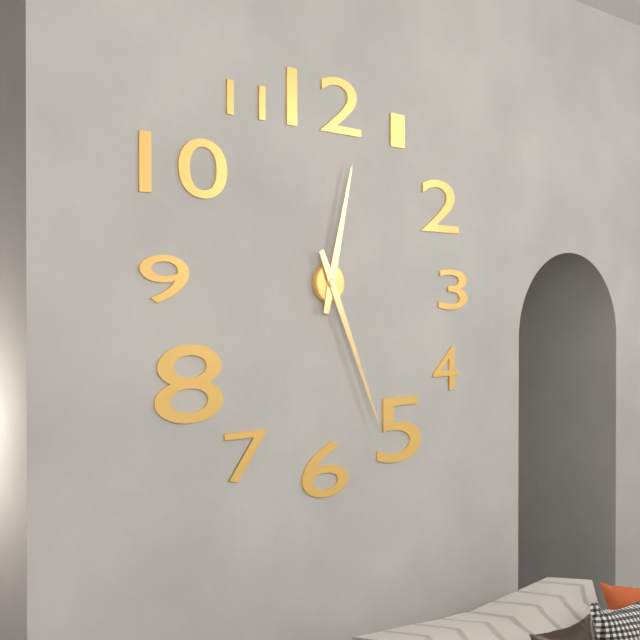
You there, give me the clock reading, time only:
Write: 12:26
